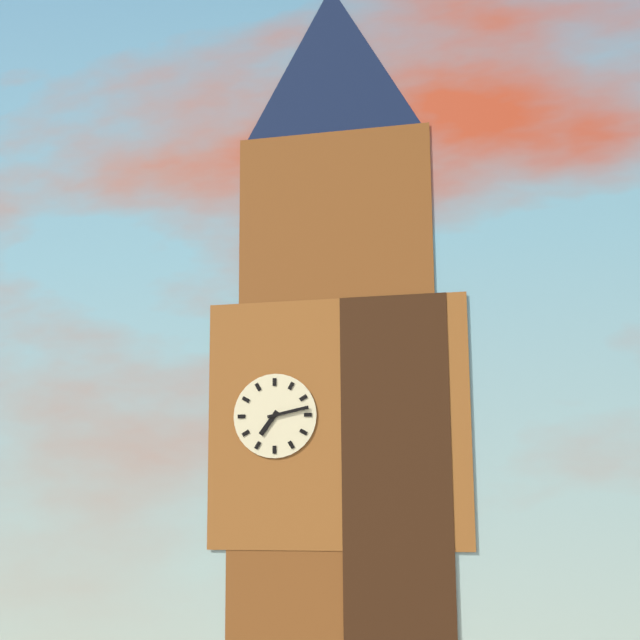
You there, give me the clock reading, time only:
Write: 7:13
